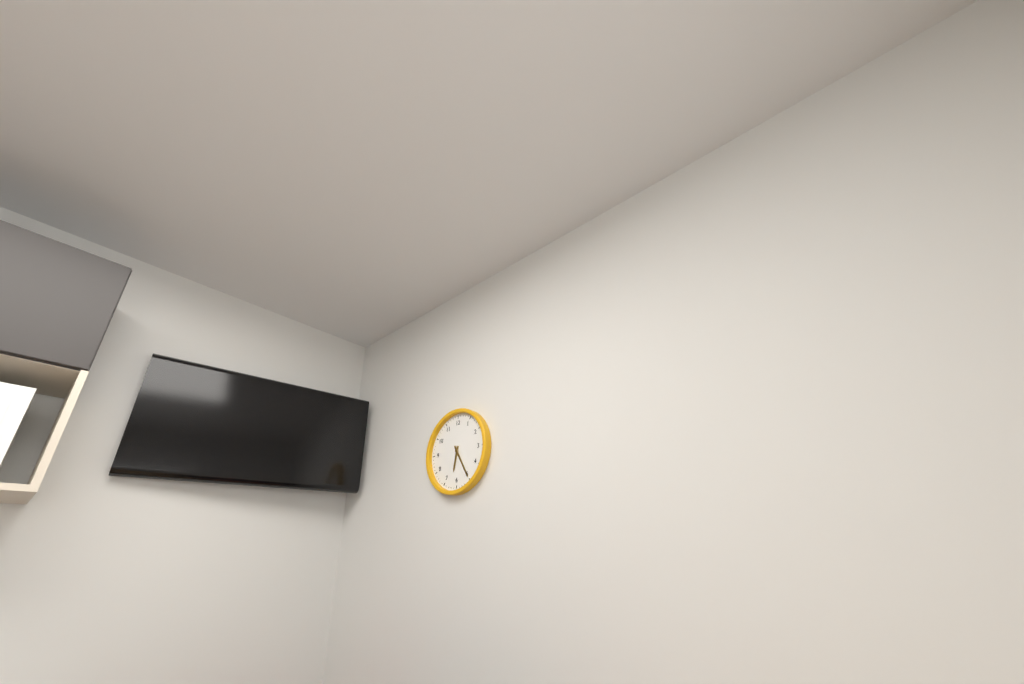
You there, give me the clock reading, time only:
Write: 6:25
